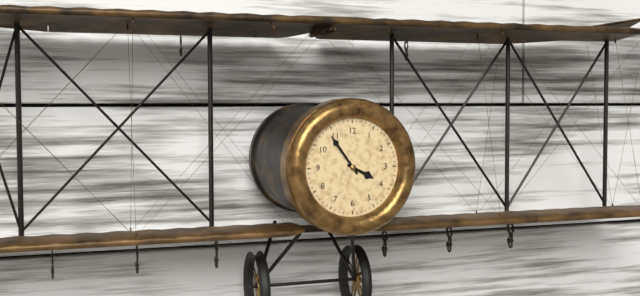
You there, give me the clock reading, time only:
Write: 3:54
